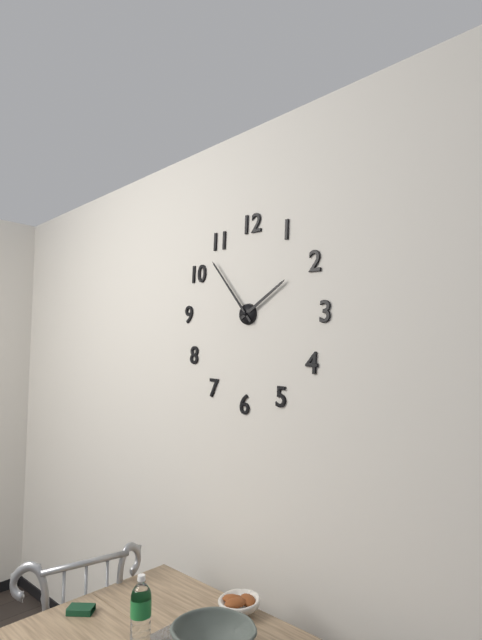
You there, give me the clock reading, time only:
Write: 1:53
